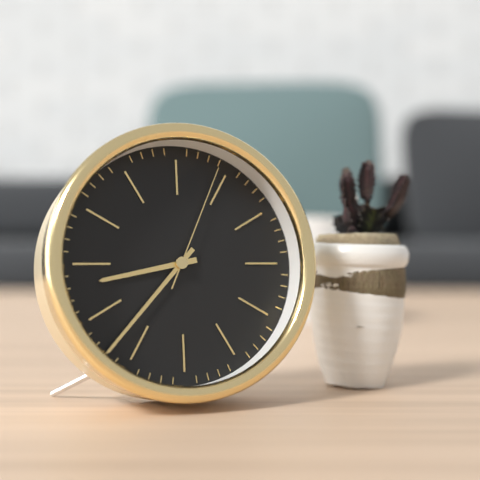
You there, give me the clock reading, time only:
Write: 8:37:04
